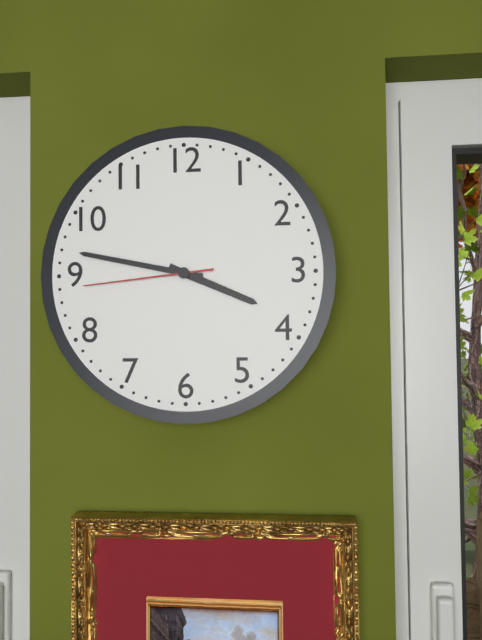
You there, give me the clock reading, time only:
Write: 3:47:44
